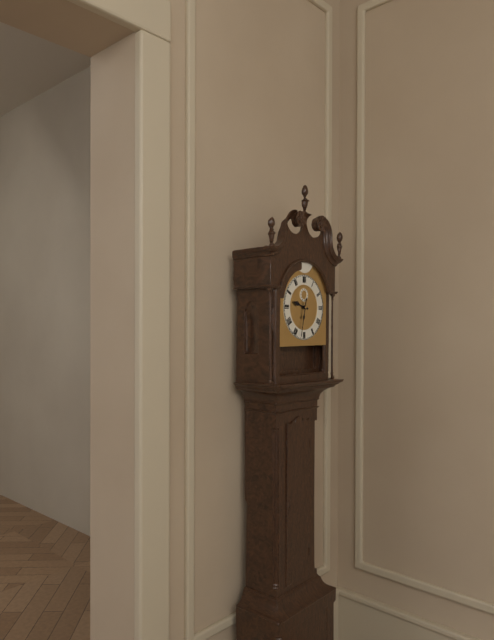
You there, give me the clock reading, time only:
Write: 9:32
